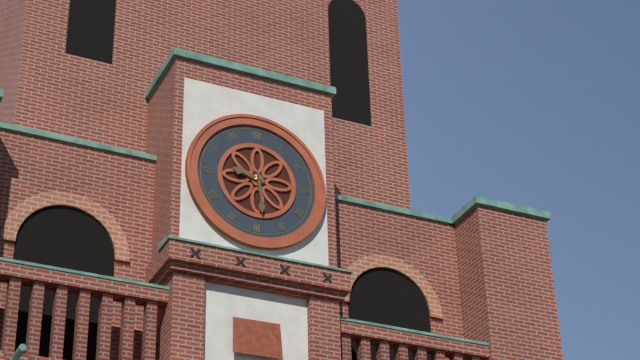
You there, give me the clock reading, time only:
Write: 9:29
